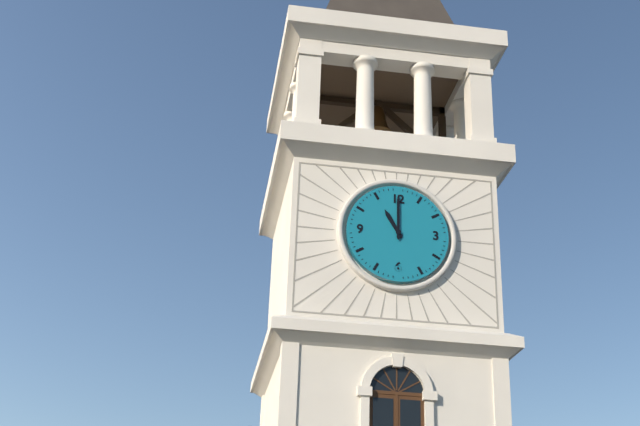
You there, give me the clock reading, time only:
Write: 11:00
